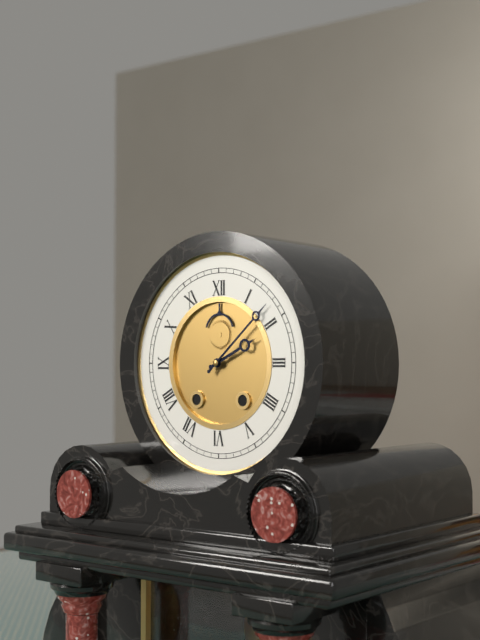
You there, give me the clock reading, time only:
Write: 2:08
